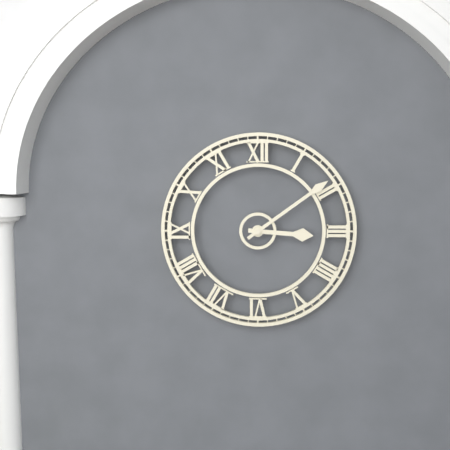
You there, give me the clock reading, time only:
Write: 3:09
